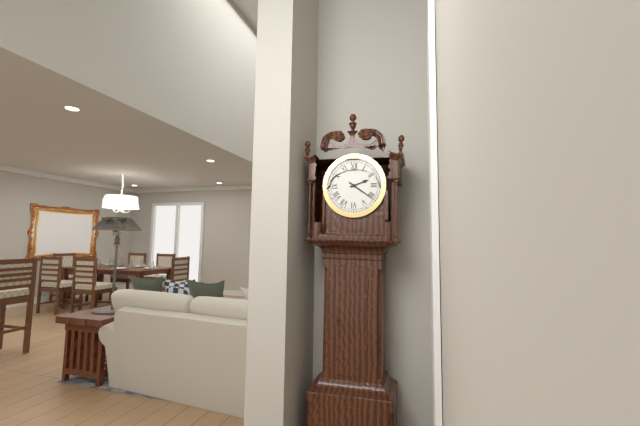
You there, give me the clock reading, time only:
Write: 2:21
